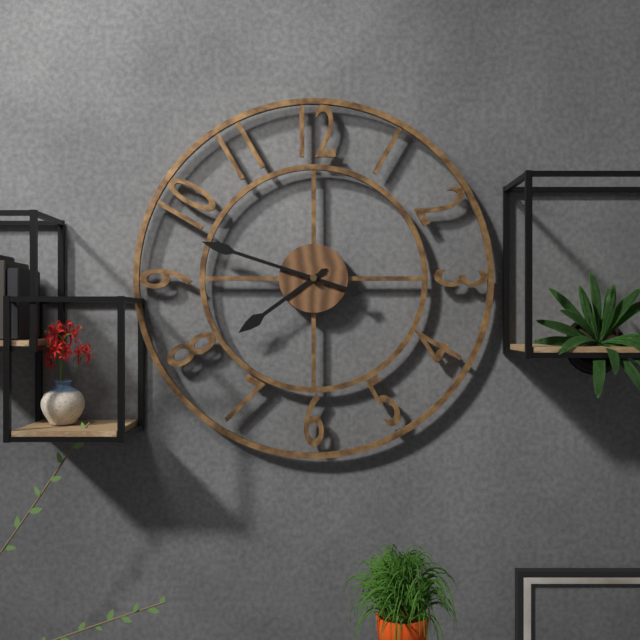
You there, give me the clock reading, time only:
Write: 7:48
